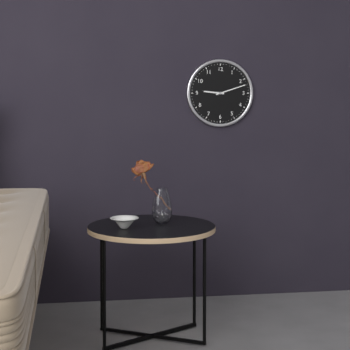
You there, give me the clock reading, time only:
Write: 9:12
